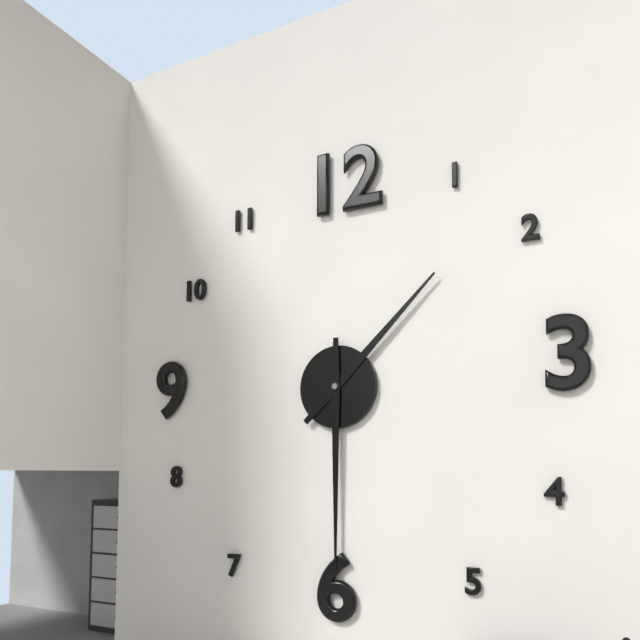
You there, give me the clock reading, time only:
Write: 1:30
